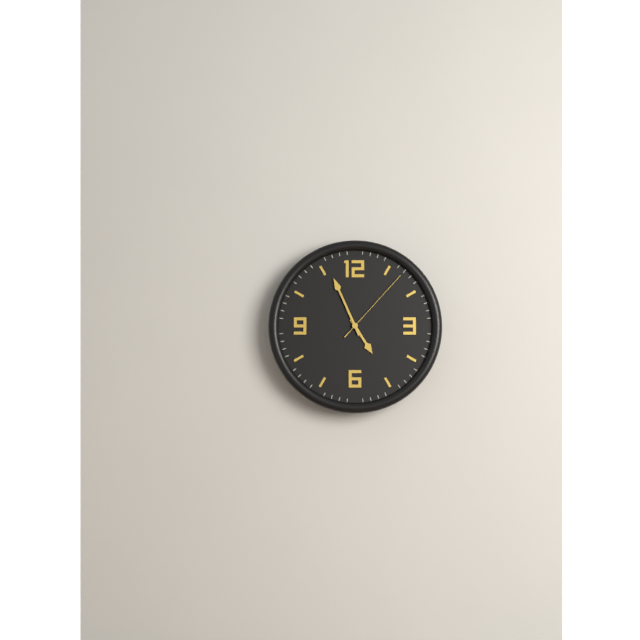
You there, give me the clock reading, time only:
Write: 4:56:07
